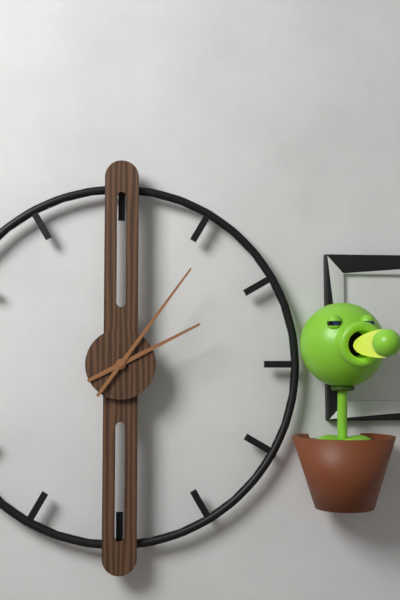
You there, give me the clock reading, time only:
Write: 2:06
